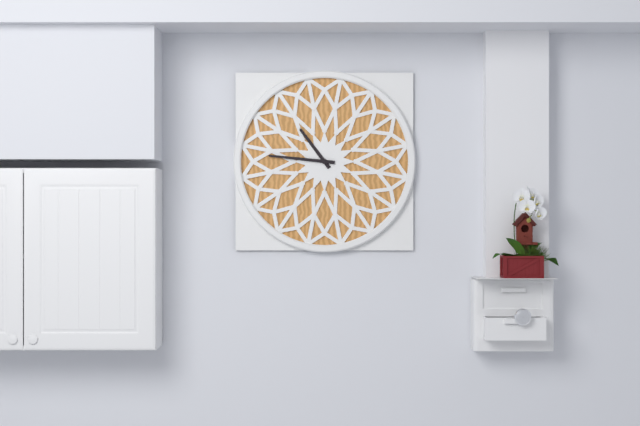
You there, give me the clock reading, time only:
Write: 10:46
